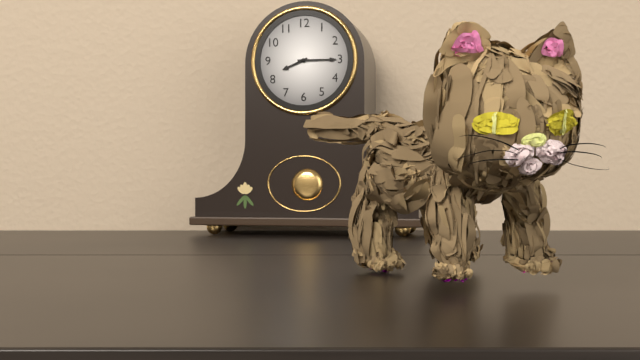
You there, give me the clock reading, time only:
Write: 8:15
